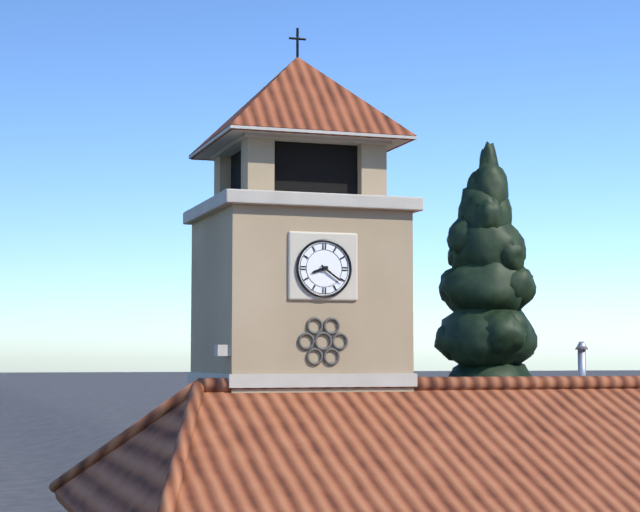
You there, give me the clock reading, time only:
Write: 8:21
